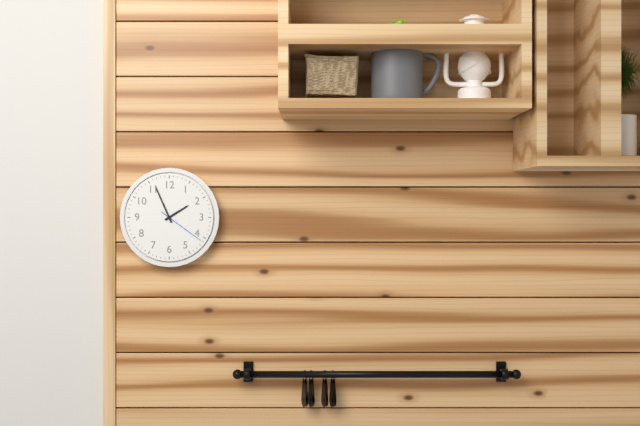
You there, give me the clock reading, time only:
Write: 1:56:21
